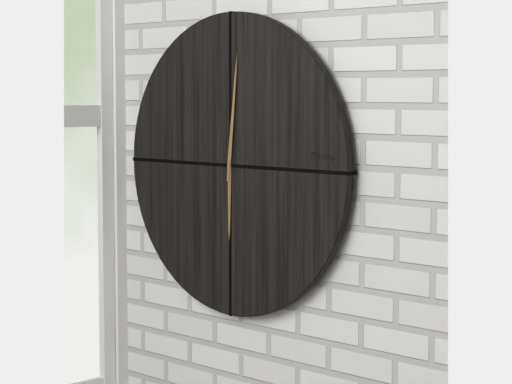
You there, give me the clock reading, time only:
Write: 6:01
